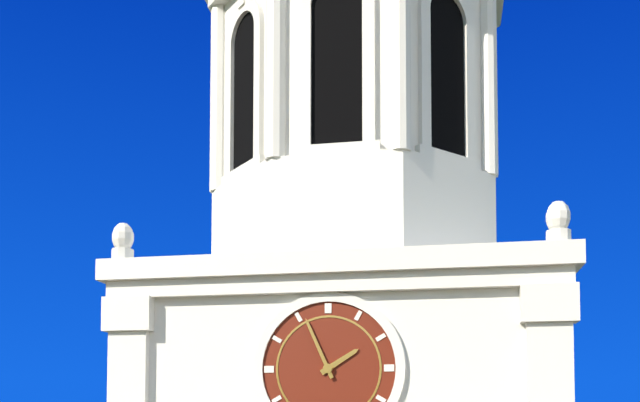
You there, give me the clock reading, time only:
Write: 1:56
